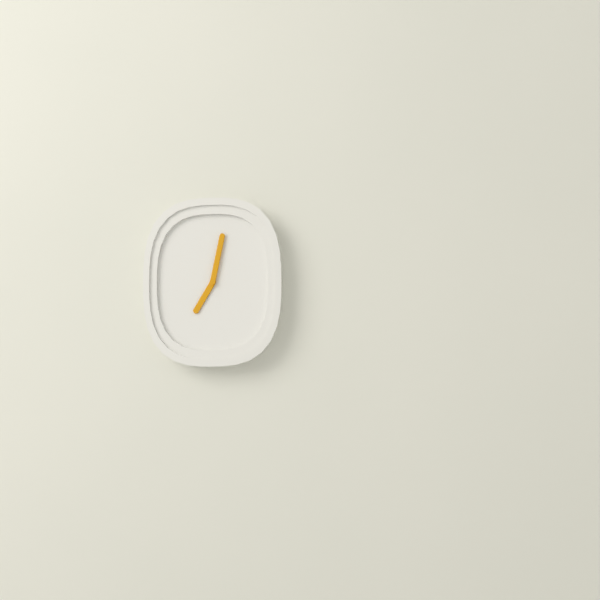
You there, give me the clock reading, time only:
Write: 7:02
